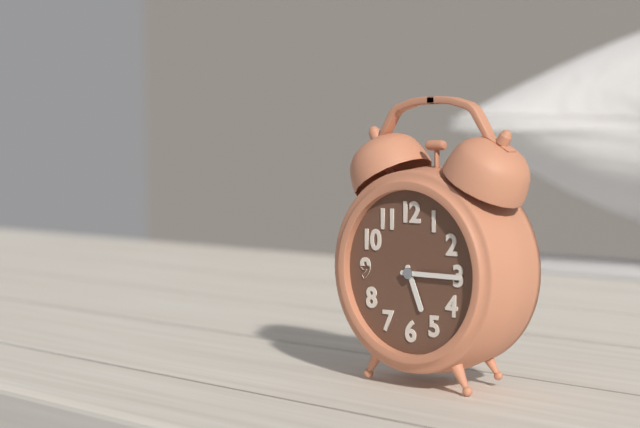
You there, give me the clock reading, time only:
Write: 5:15
